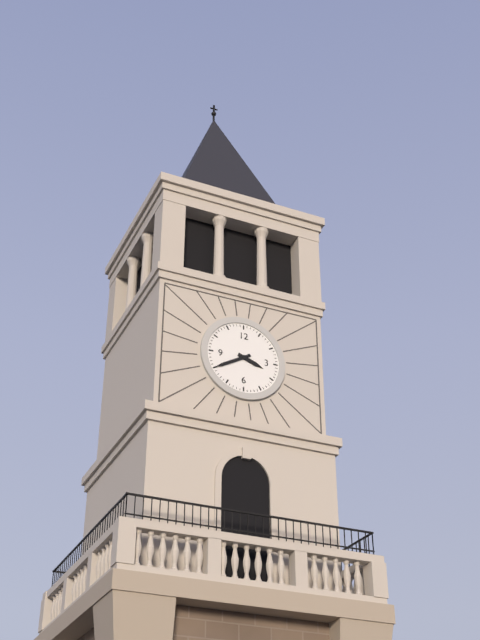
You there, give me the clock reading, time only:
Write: 3:40
